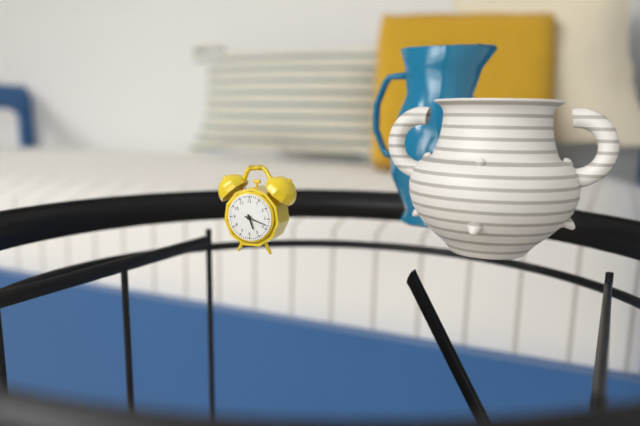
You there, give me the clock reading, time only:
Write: 5:18
